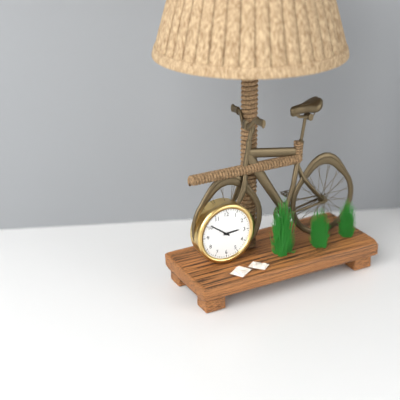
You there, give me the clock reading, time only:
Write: 2:51
